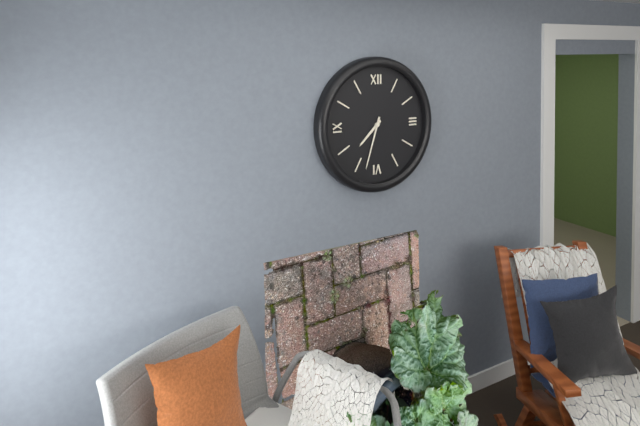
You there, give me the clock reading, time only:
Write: 7:33
